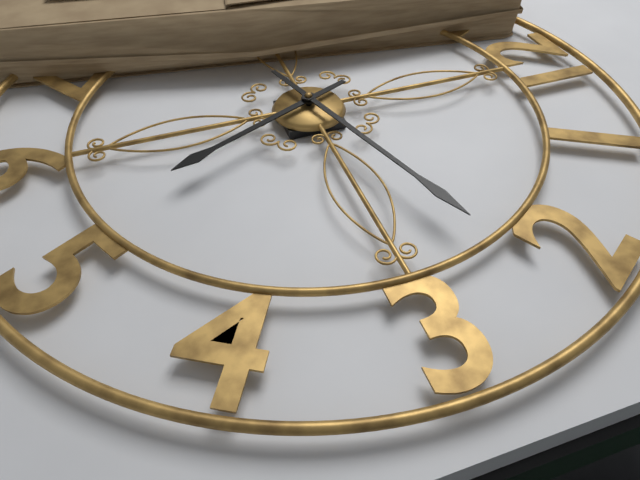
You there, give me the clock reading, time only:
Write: 5:12
